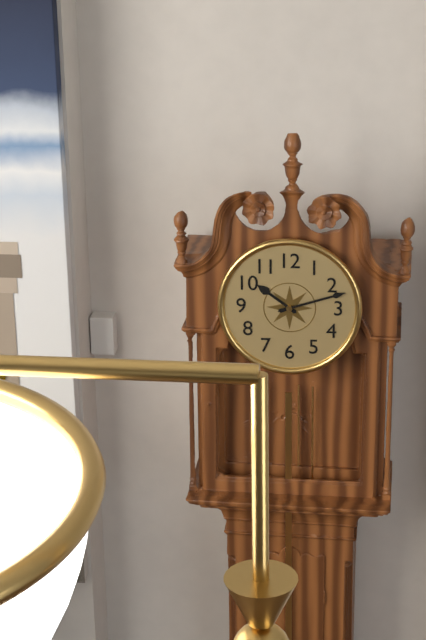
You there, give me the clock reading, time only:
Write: 10:12
